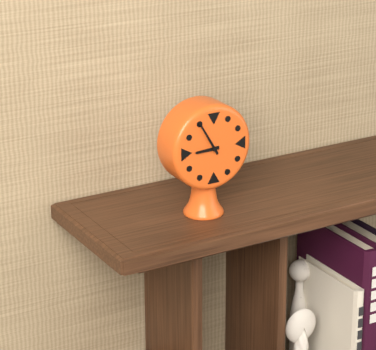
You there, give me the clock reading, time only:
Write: 8:55
